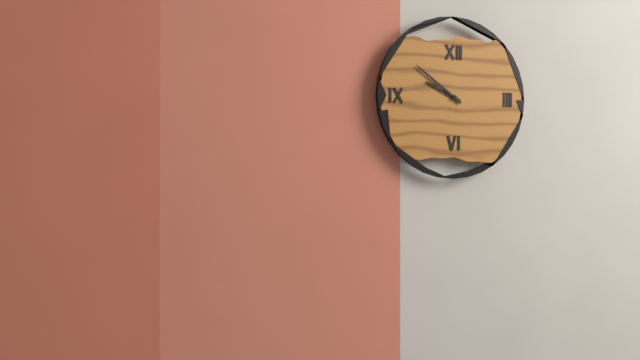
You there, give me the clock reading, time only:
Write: 9:51
